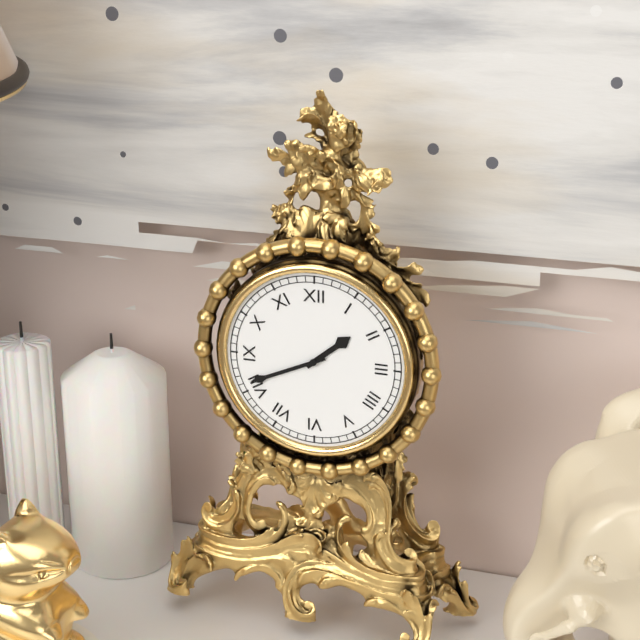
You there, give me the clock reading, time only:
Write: 1:41
